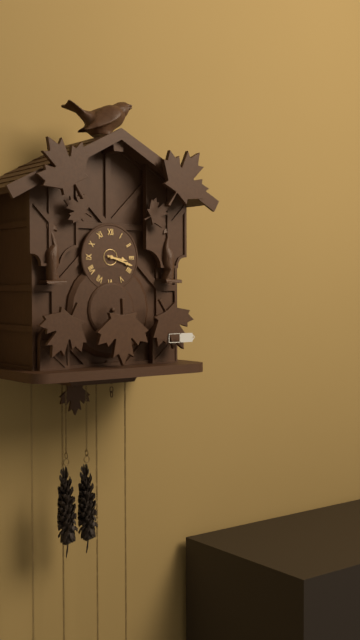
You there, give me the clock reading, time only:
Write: 3:18
